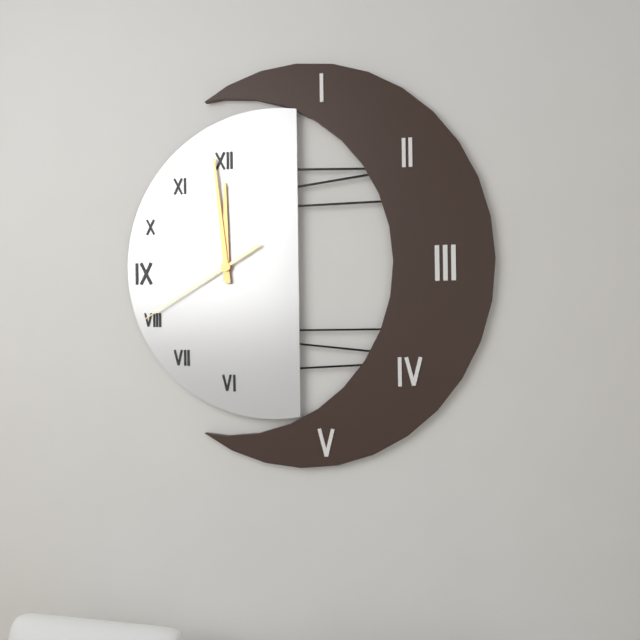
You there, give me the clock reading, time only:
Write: 11:59:40
